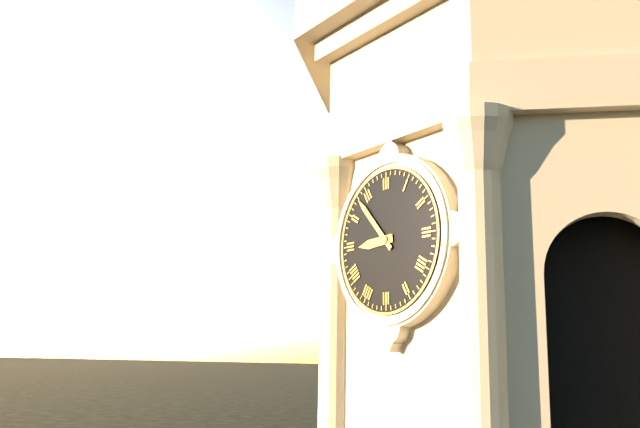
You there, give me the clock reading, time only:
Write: 8:53
